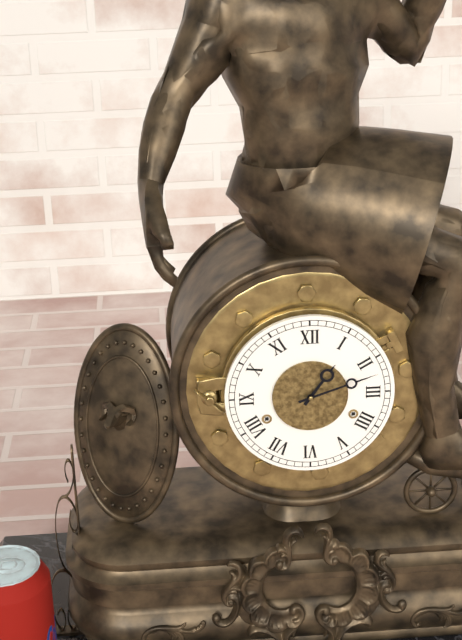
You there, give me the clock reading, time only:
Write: 1:12
